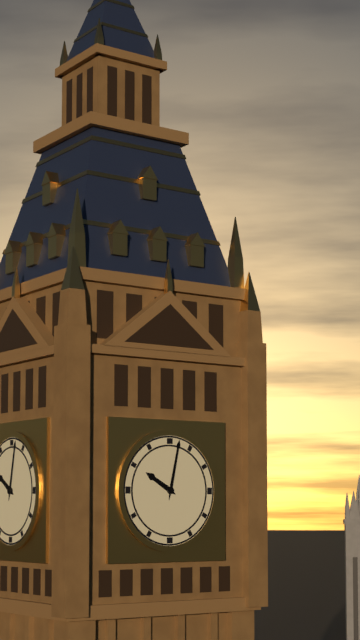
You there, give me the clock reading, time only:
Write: 10:02
